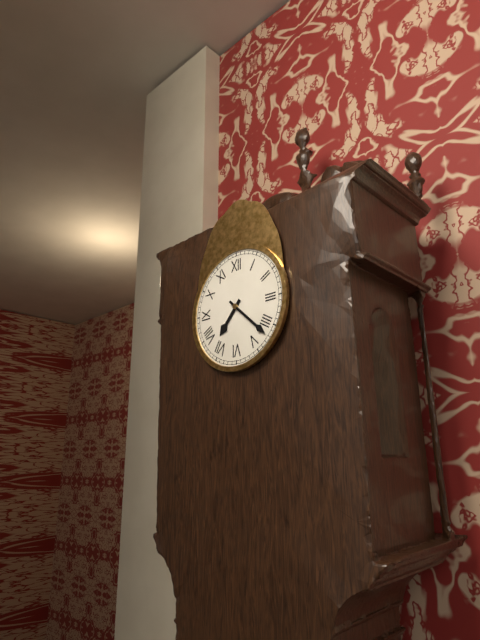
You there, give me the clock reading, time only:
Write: 7:22
